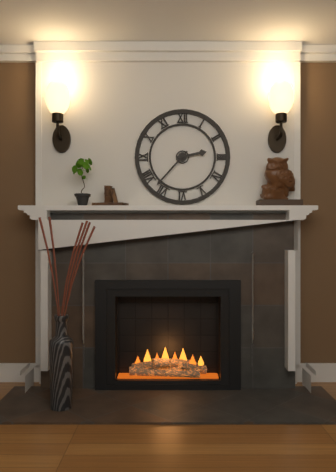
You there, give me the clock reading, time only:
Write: 2:37
